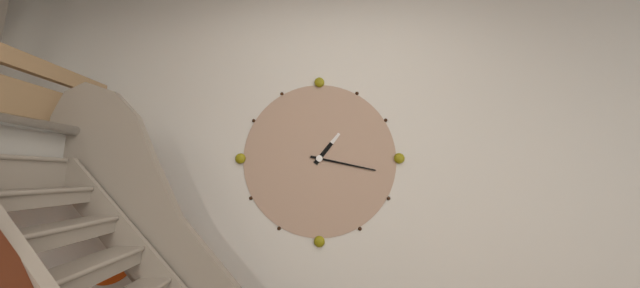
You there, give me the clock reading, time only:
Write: 1:17
